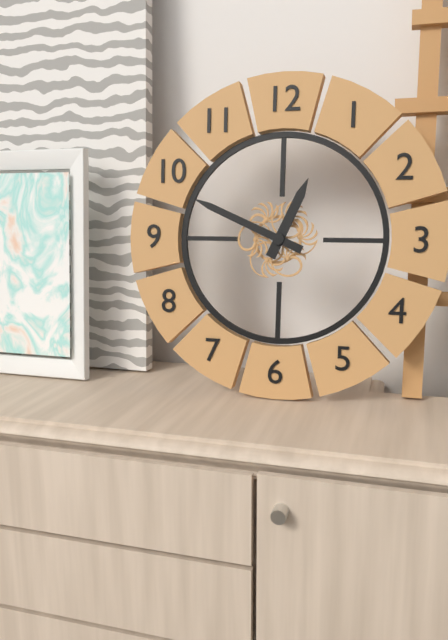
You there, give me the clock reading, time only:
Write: 12:49
